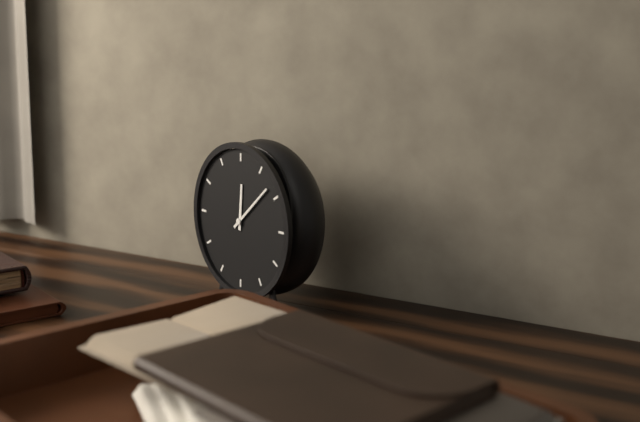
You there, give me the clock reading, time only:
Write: 12:08
